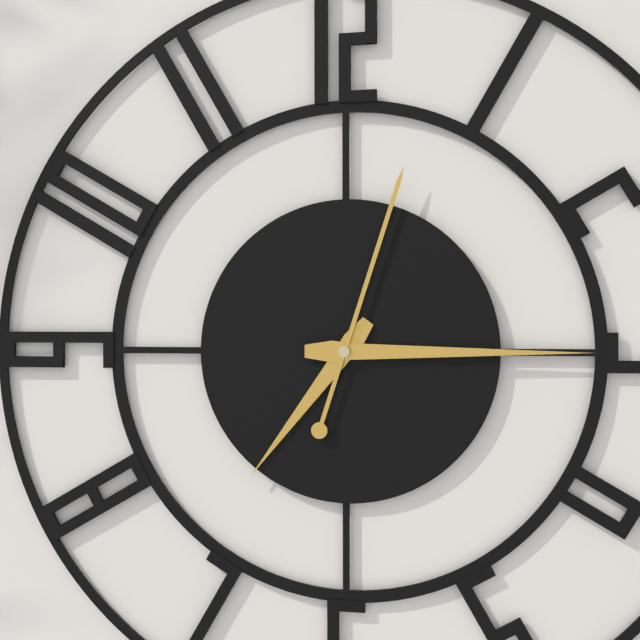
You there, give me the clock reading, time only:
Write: 7:15:03
